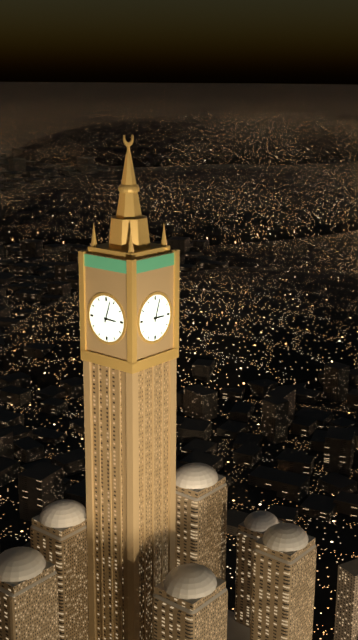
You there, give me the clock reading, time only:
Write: 3:03
